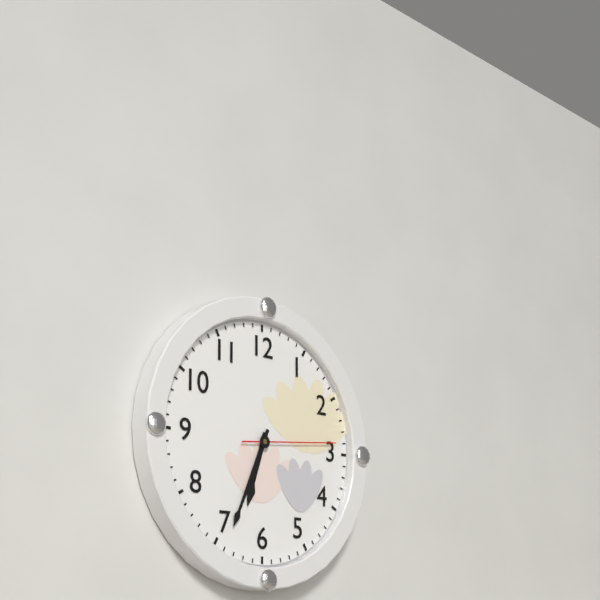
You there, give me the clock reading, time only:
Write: 6:34:14
